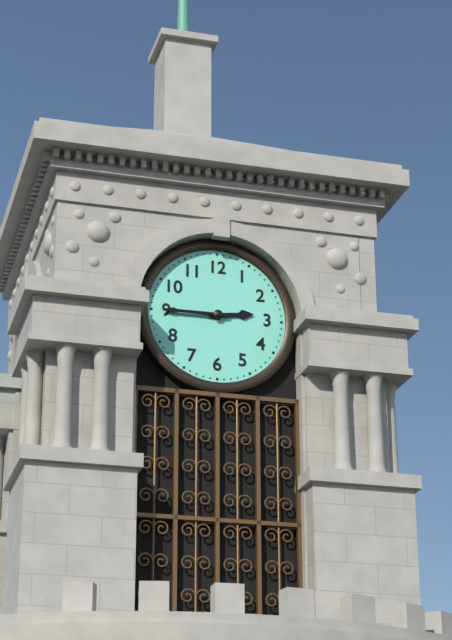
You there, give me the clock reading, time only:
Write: 2:45
